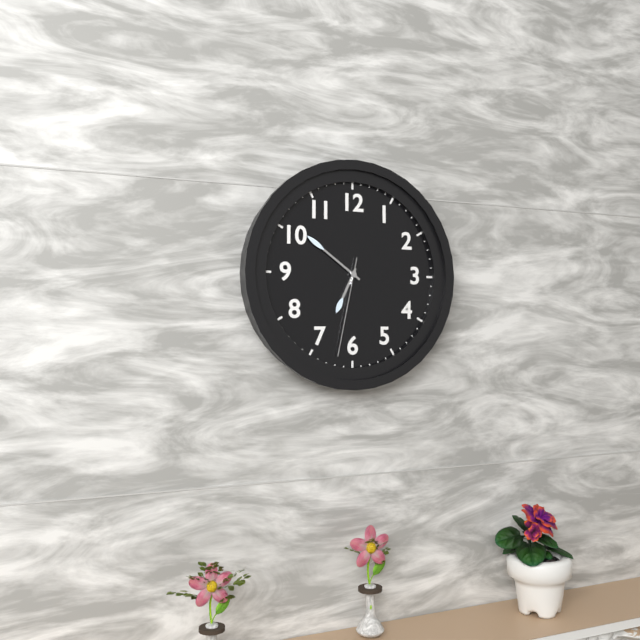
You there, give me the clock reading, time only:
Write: 6:51:32
